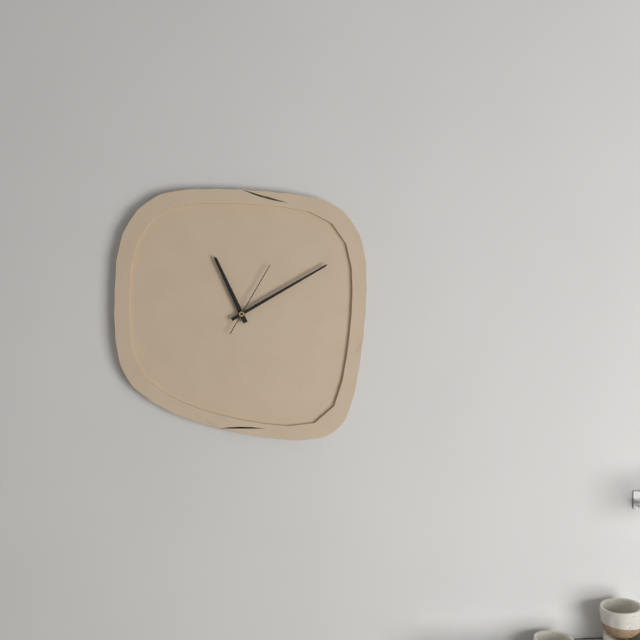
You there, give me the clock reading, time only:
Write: 11:10:05
